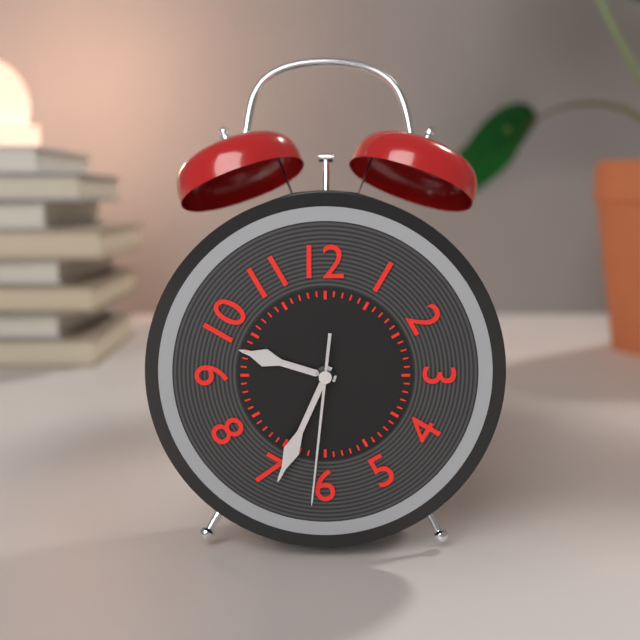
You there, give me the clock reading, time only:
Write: 9:34:31
